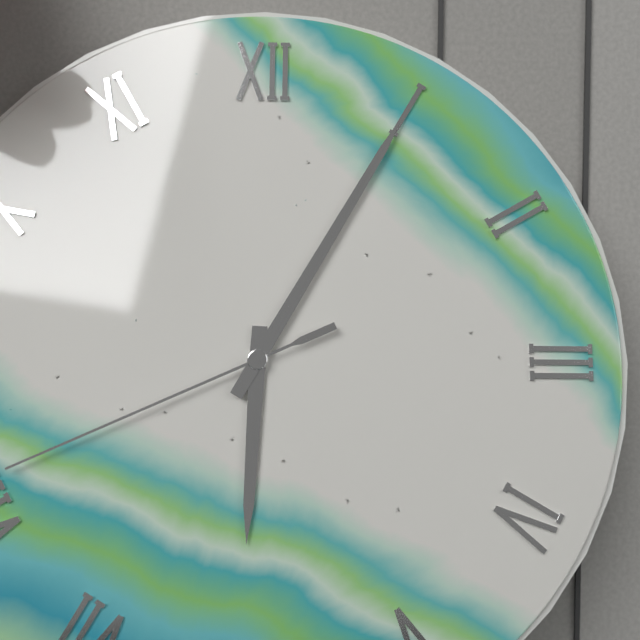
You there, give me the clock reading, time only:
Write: 6:05:41
